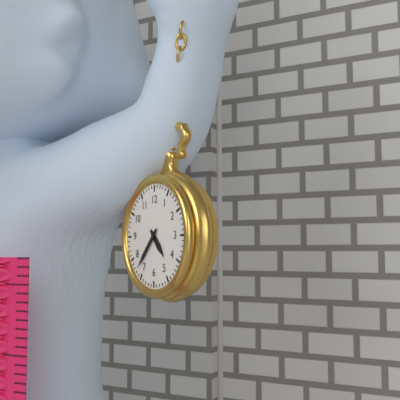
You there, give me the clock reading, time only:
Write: 4:37
